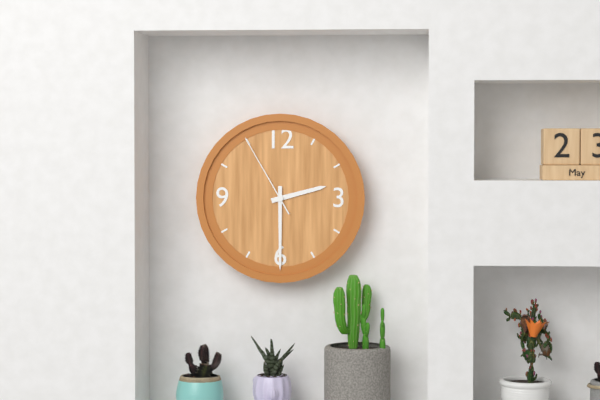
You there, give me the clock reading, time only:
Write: 2:30:55
